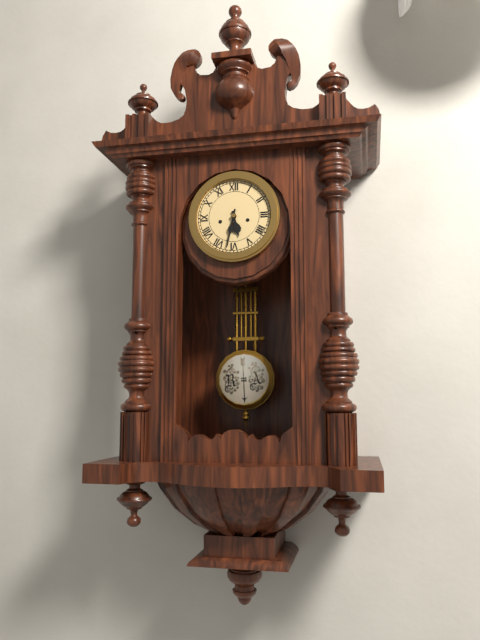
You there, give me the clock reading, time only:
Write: 5:32
